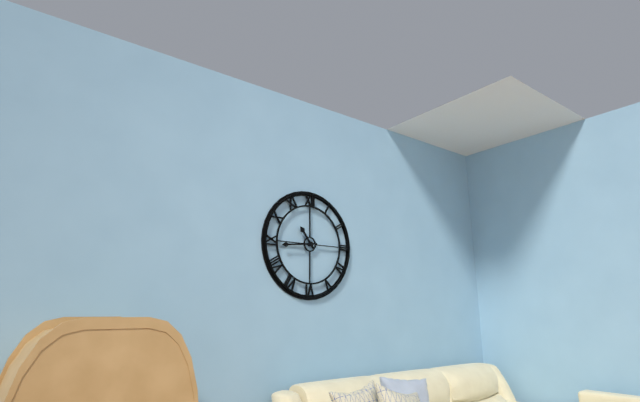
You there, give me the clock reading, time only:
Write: 10:44
